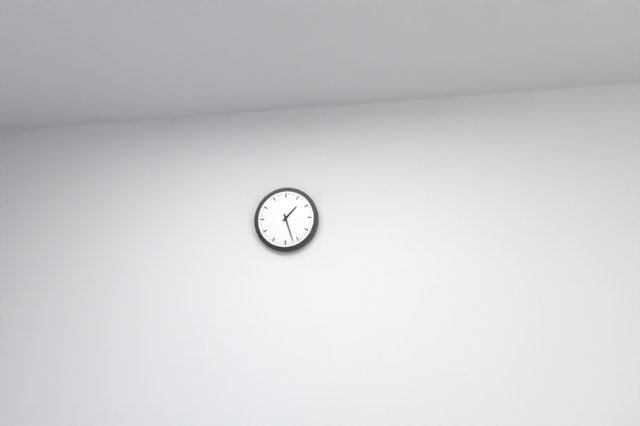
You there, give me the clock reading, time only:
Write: 1:27
